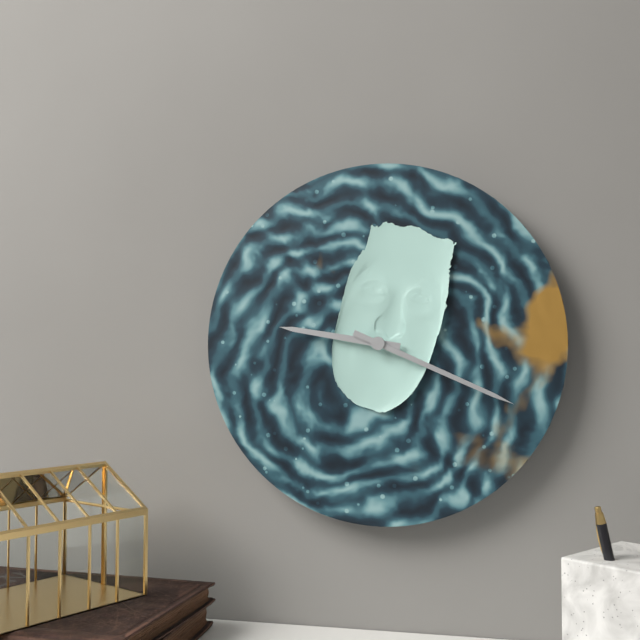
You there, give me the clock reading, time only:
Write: 9:19
